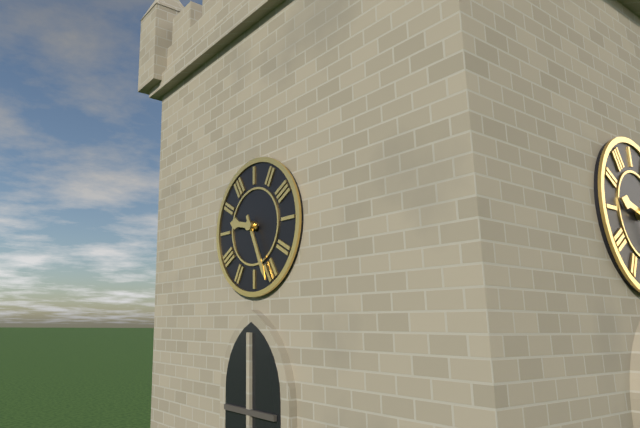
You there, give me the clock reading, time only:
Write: 9:26
